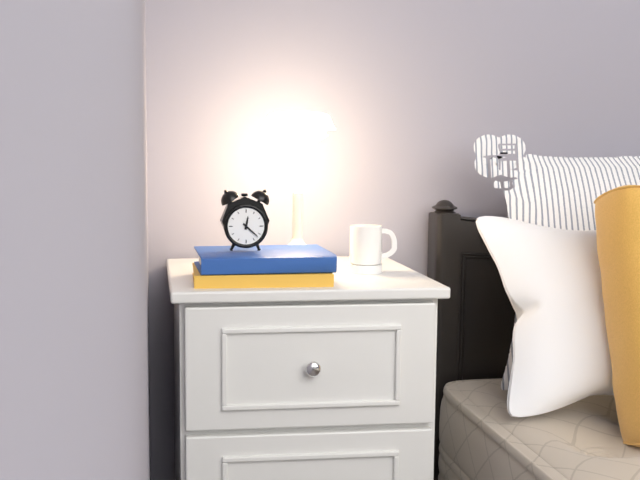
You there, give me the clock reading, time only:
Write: 12:22
